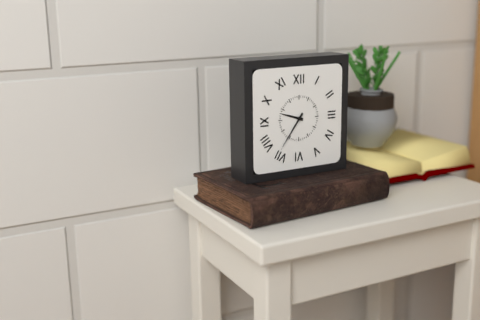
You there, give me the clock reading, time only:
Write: 9:36
